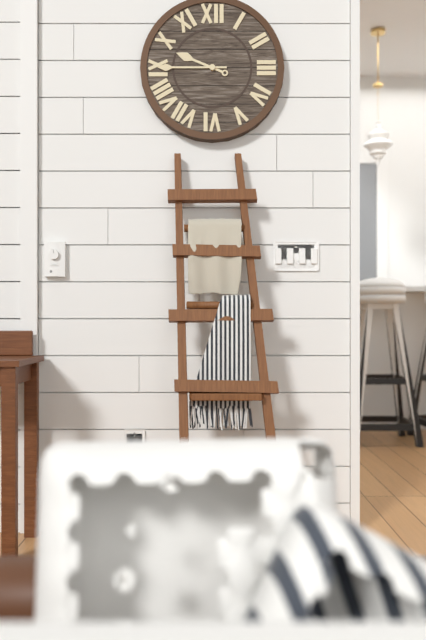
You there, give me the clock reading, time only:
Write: 9:45
